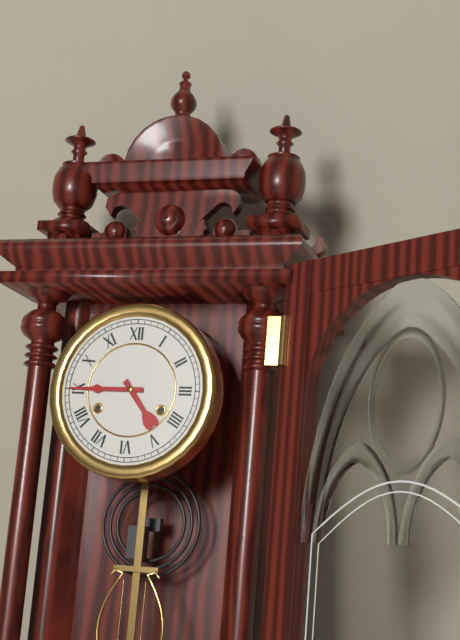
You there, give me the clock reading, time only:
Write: 4:45
